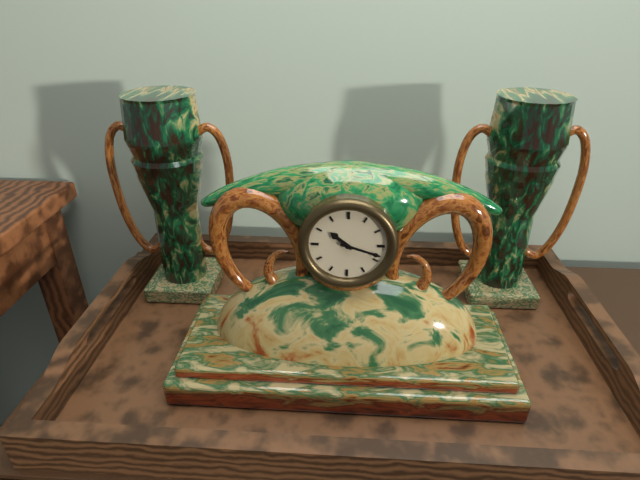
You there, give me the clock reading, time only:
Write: 10:18
